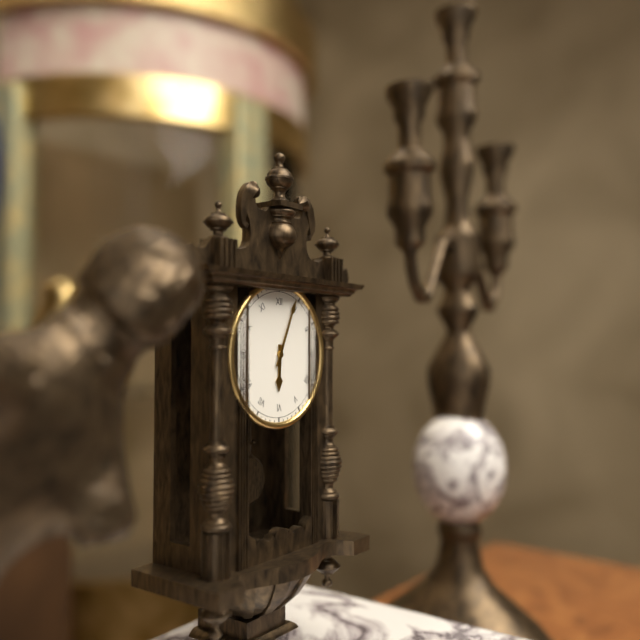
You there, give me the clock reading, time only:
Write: 6:04
